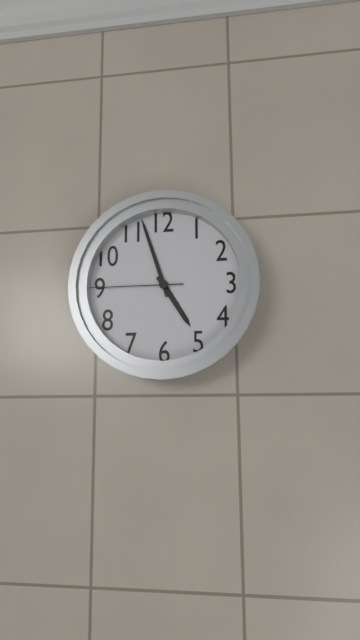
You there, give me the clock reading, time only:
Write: 4:57:45
